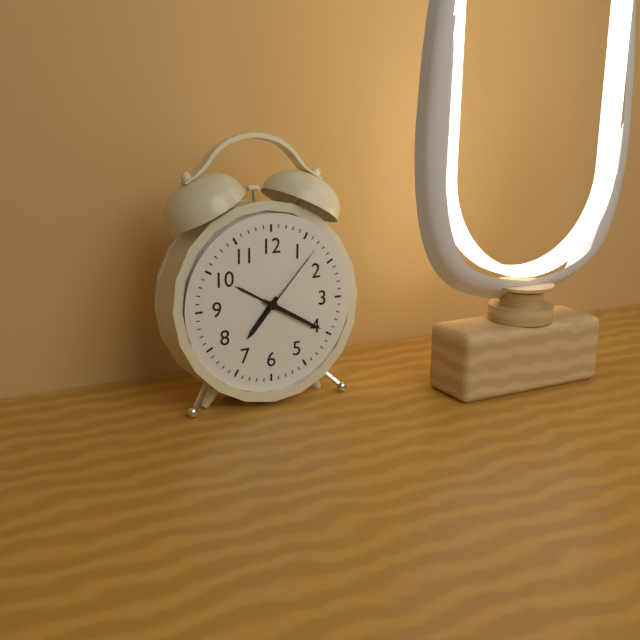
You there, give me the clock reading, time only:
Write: 7:20:07
